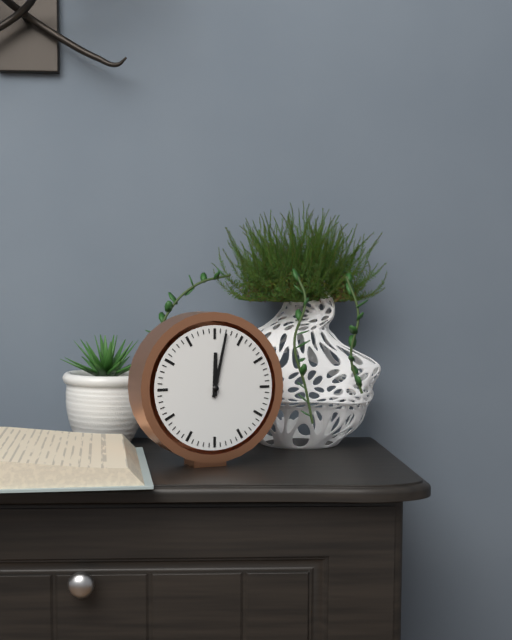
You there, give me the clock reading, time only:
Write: 12:02
